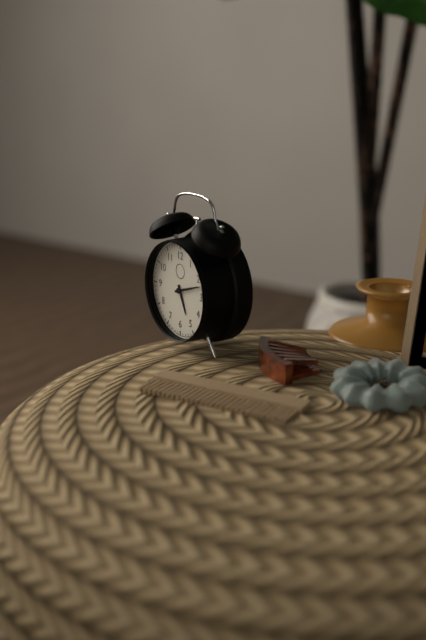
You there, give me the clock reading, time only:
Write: 5:12
